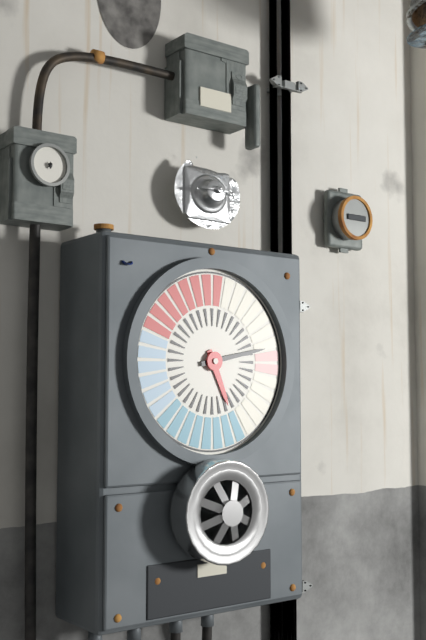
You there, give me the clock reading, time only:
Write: 5:13
